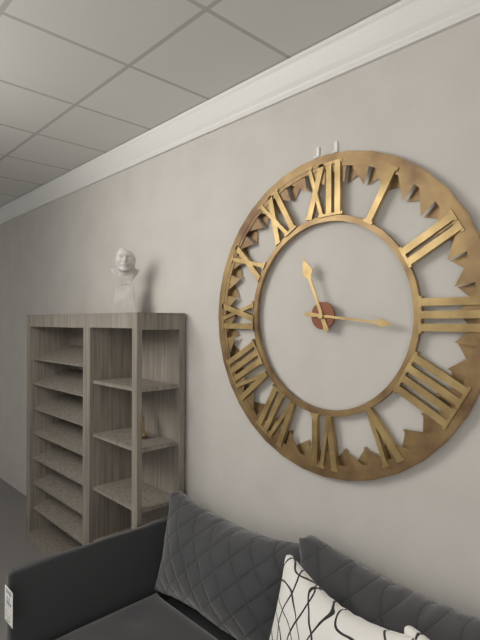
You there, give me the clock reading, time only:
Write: 11:16
